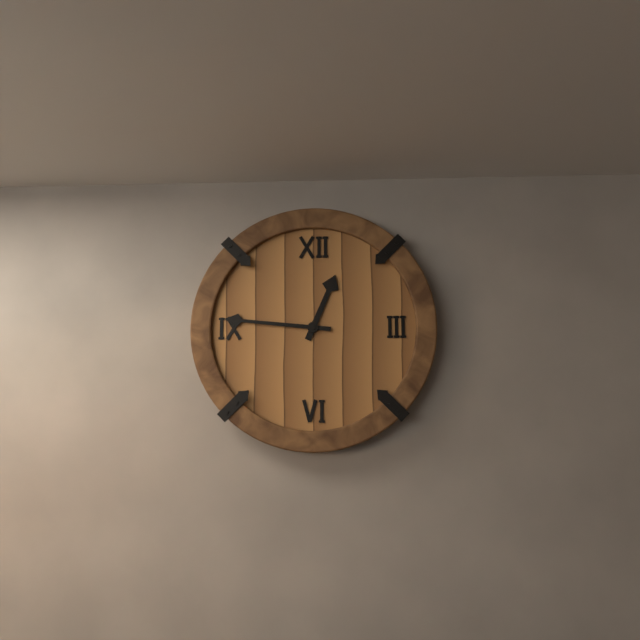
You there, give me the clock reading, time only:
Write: 12:46
